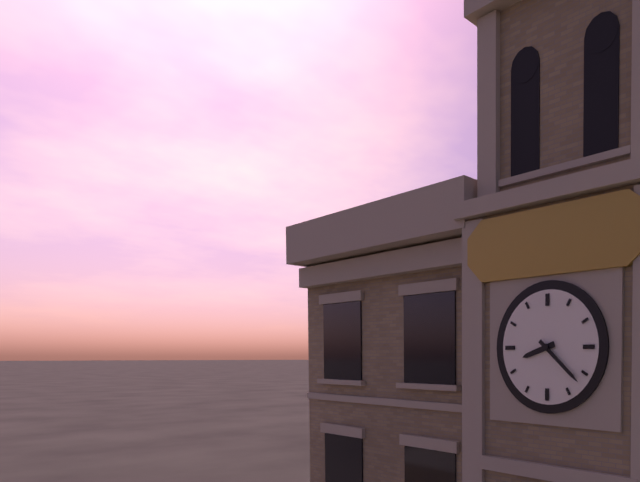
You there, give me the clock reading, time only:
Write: 8:22
